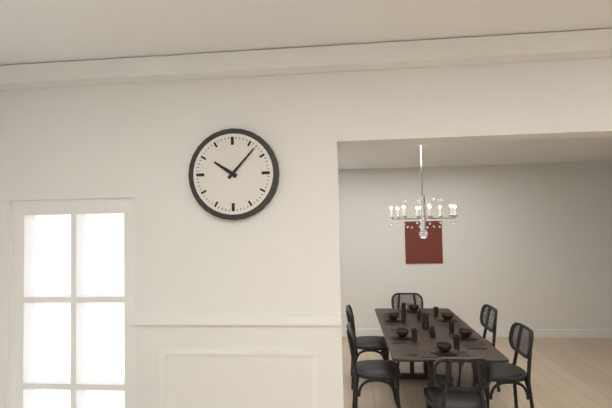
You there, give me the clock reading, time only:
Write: 10:07
